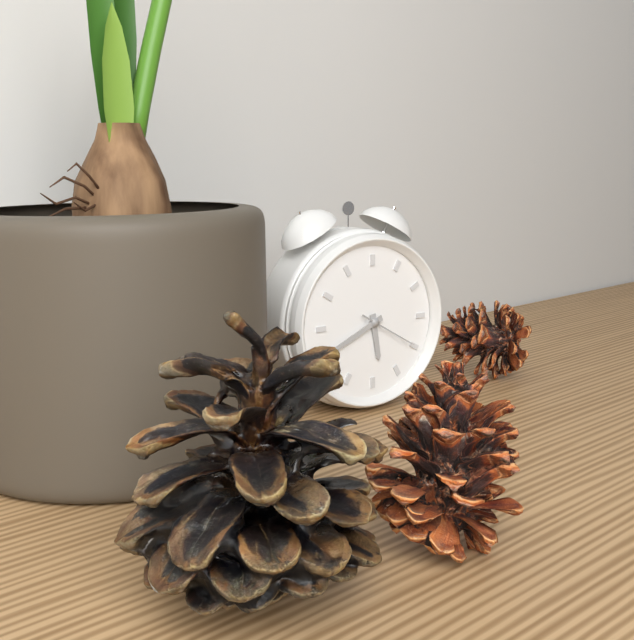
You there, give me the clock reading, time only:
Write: 5:41:20
